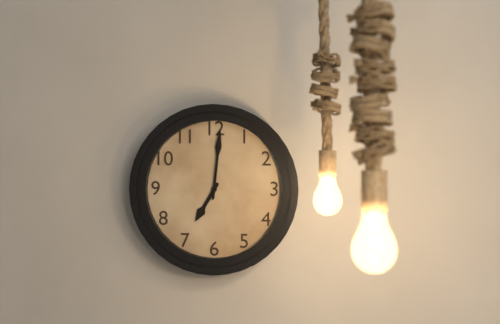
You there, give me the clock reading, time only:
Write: 7:01
